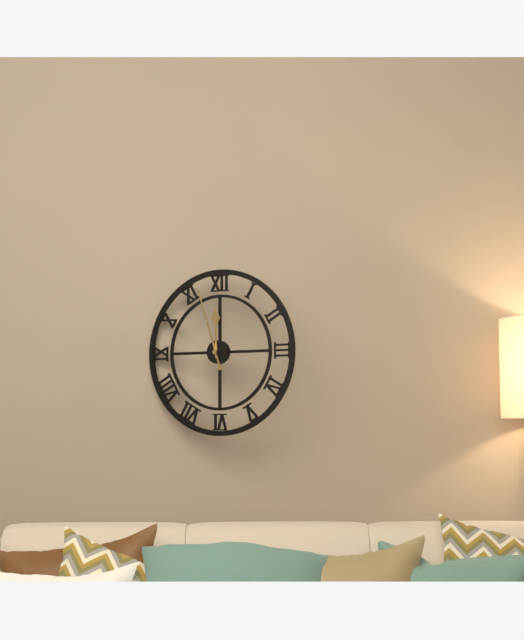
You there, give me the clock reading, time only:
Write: 11:57
